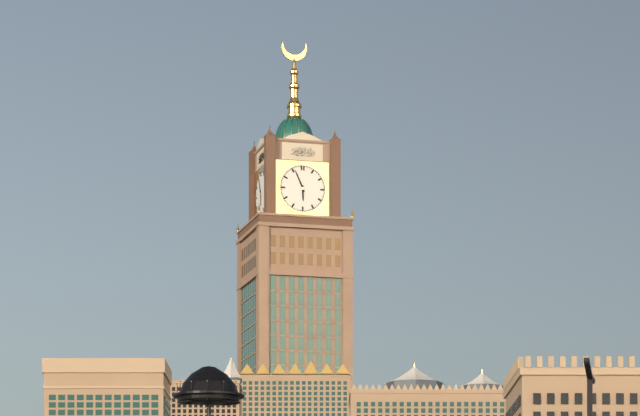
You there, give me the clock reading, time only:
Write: 5:56
